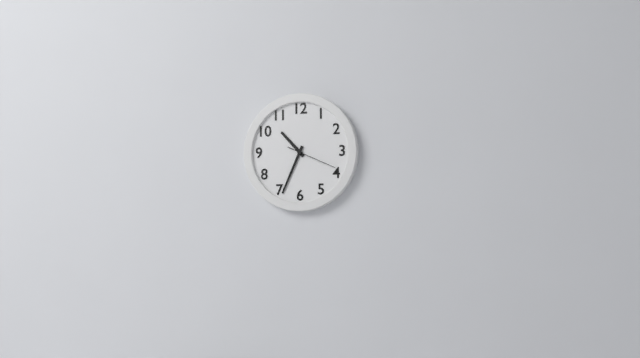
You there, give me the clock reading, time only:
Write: 10:34
